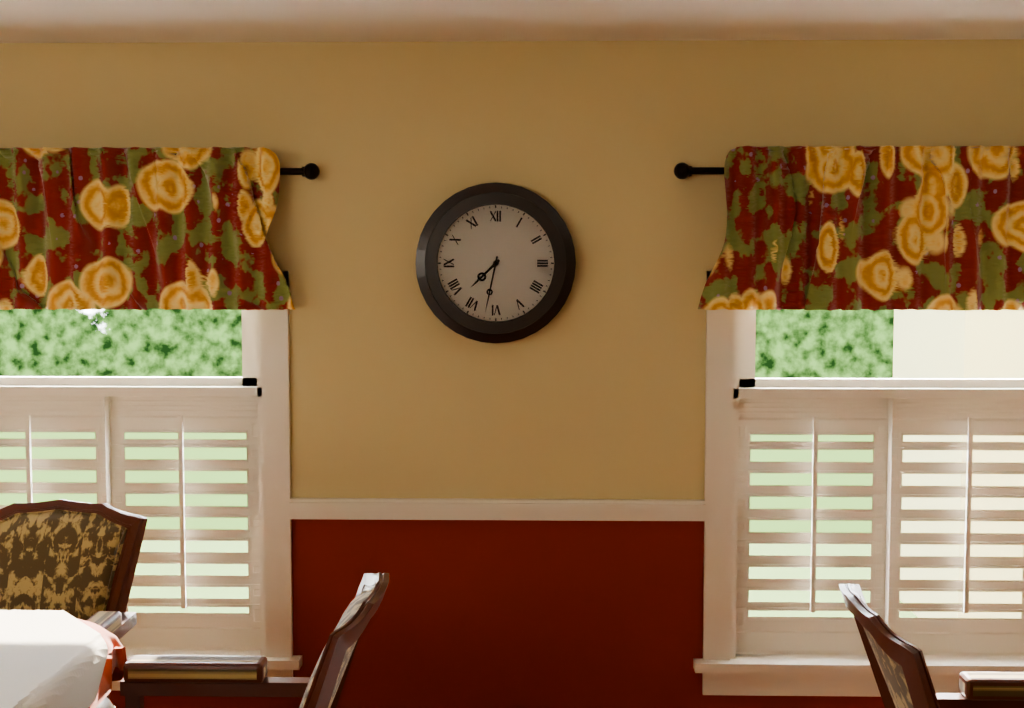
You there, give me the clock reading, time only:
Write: 7:32
